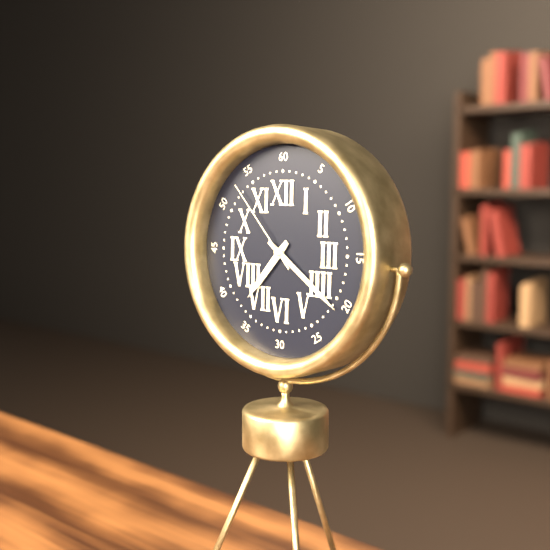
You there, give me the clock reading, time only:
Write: 7:21:53
